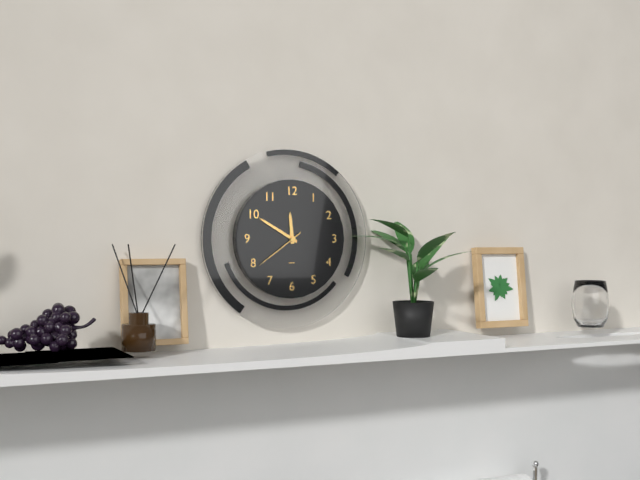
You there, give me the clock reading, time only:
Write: 11:50:39
